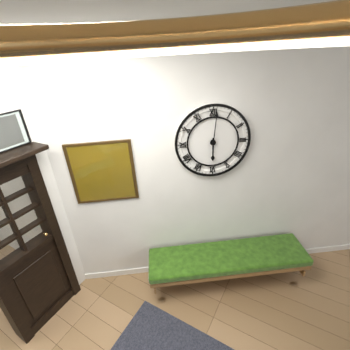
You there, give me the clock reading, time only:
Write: 6:01
